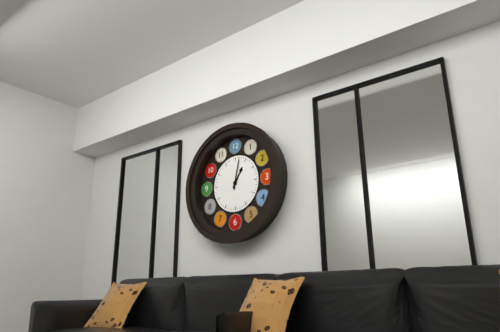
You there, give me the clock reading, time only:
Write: 1:02
